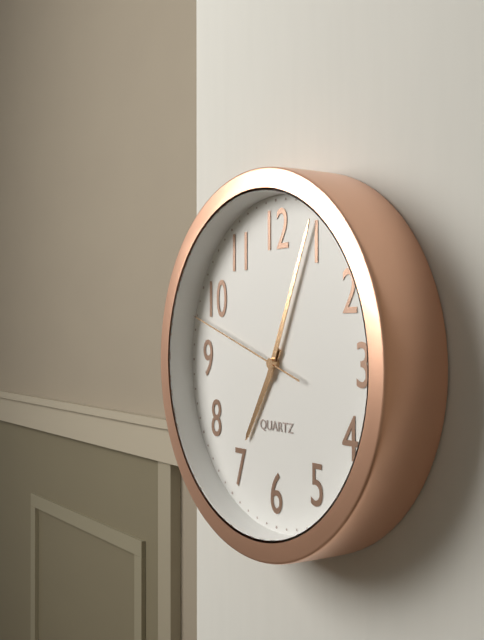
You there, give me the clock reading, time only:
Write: 7:04:48
